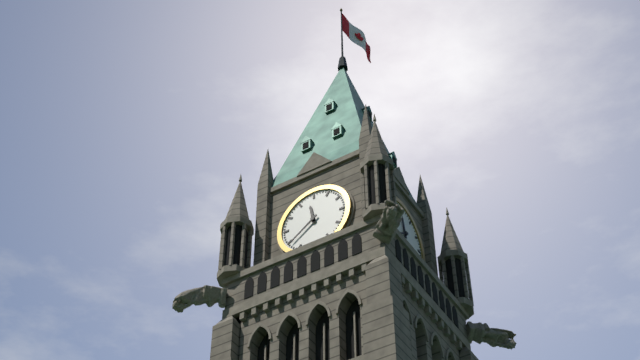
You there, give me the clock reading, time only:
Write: 11:39
